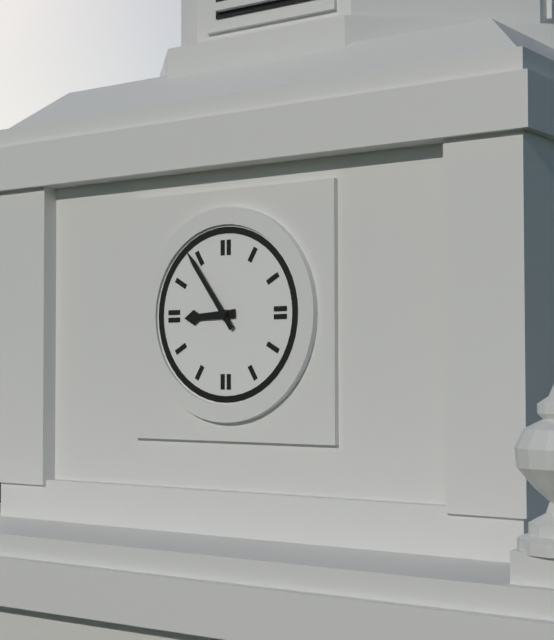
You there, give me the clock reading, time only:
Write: 8:54
